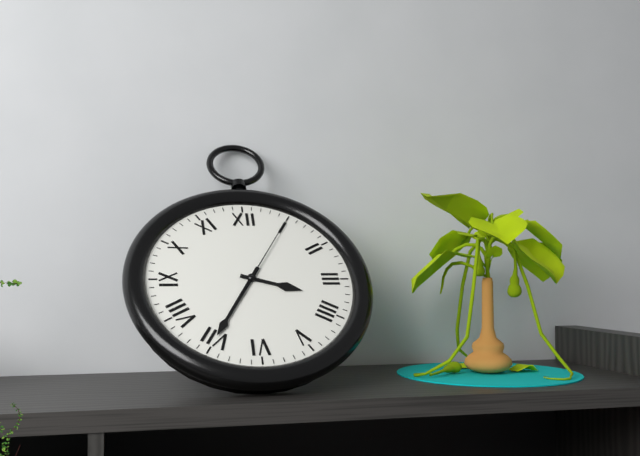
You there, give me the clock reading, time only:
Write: 3:35:05
